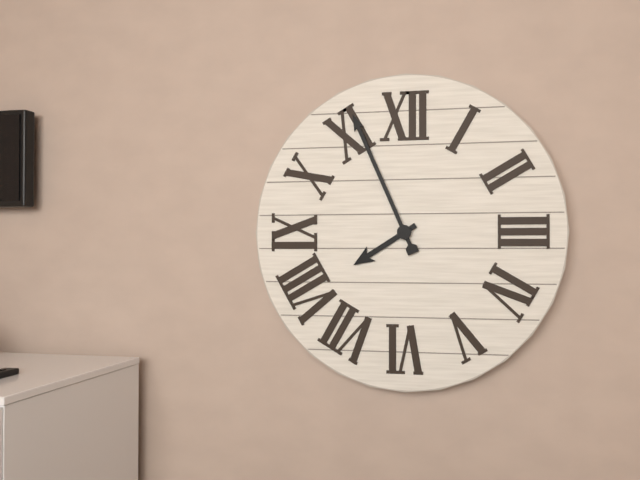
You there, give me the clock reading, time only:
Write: 7:56
